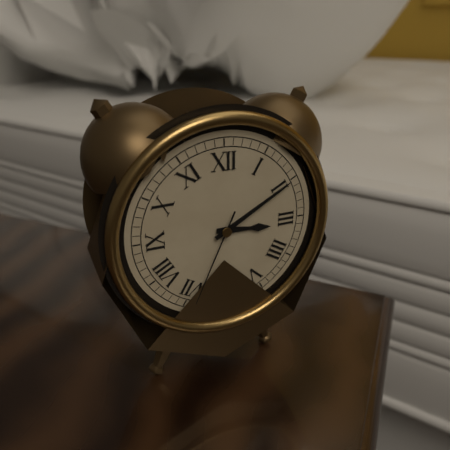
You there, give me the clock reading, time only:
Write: 3:10:34
